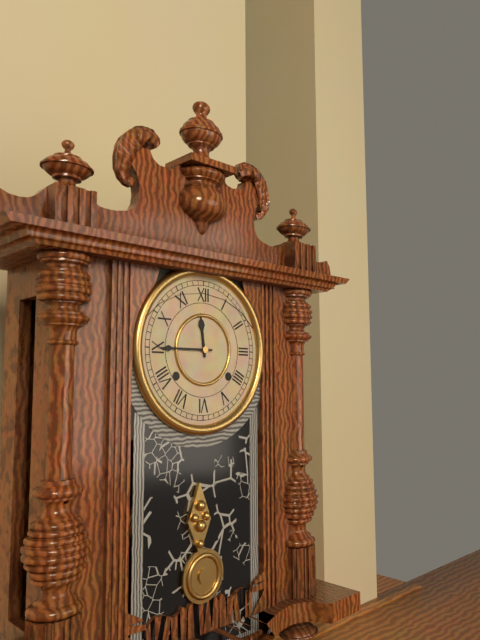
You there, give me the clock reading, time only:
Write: 11:45
